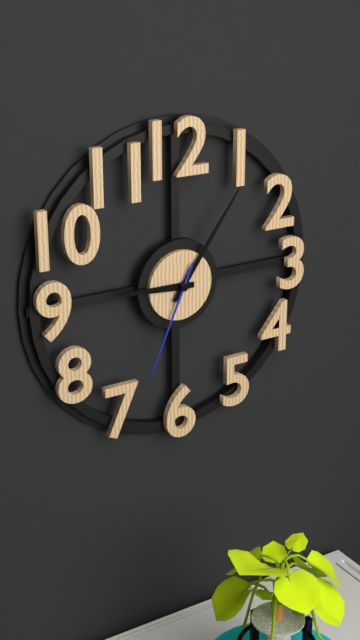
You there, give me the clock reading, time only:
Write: 9:06:34
